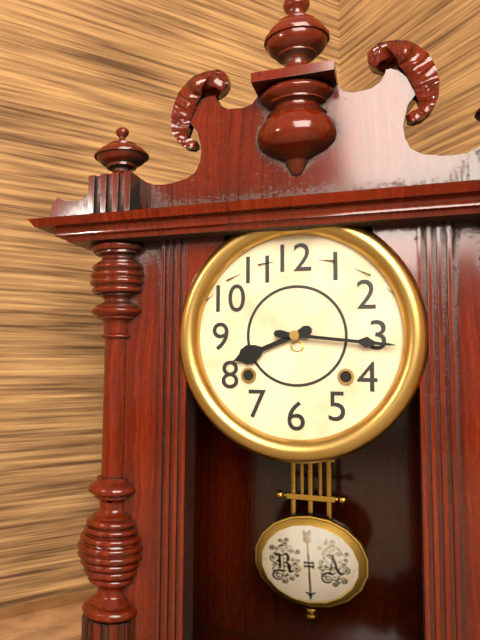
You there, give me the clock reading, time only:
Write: 8:16
